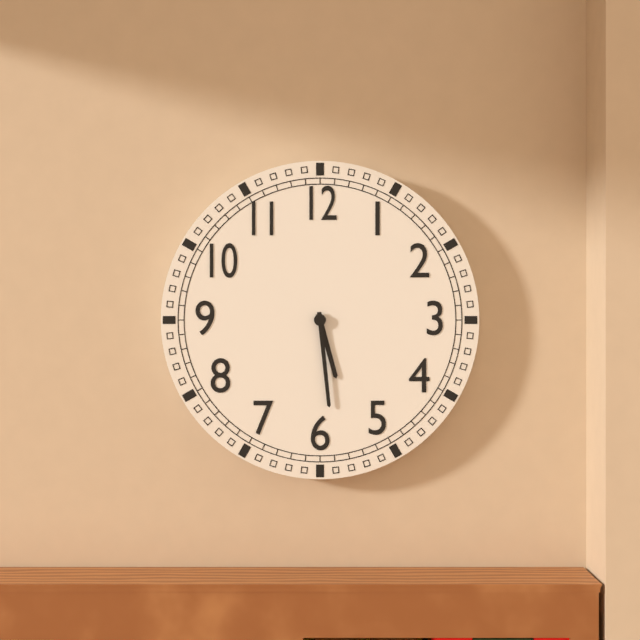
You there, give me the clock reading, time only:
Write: 5:29
